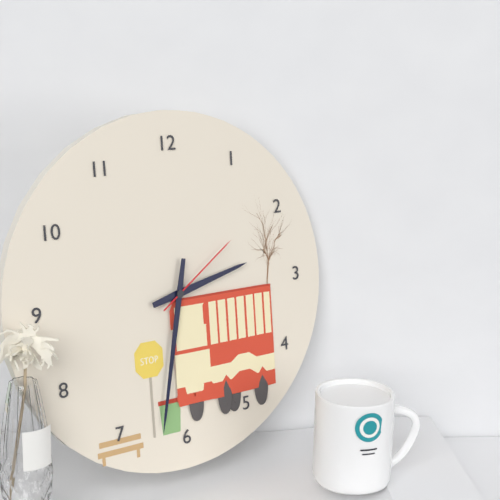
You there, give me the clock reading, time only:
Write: 2:32:09
